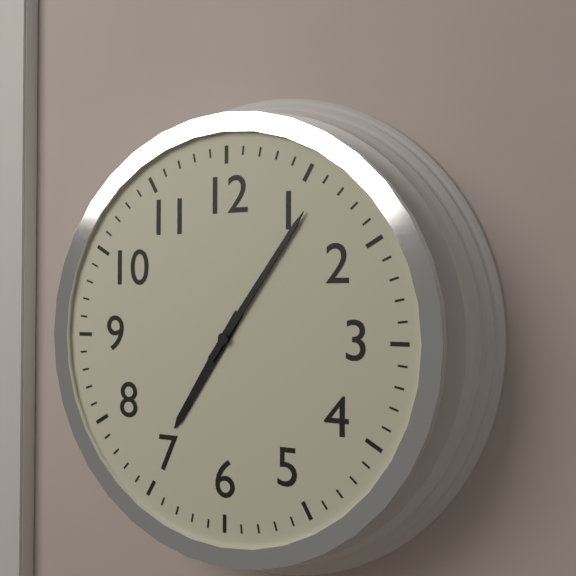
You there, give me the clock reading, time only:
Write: 7:06
